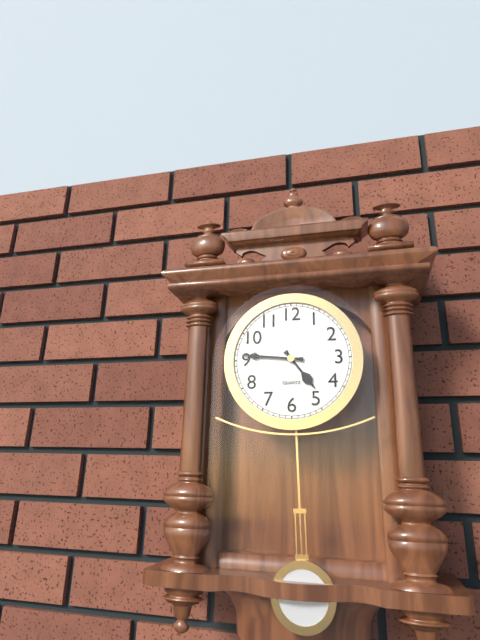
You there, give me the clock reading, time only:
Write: 4:46
